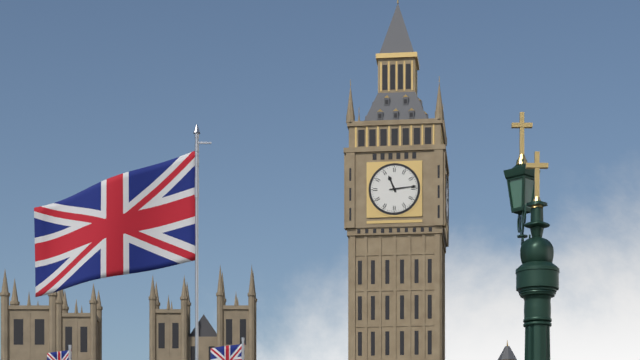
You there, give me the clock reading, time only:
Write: 11:14
